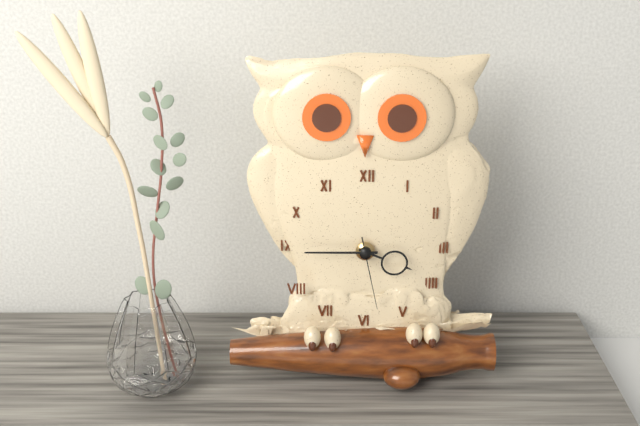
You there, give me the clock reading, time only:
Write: 3:45:28
